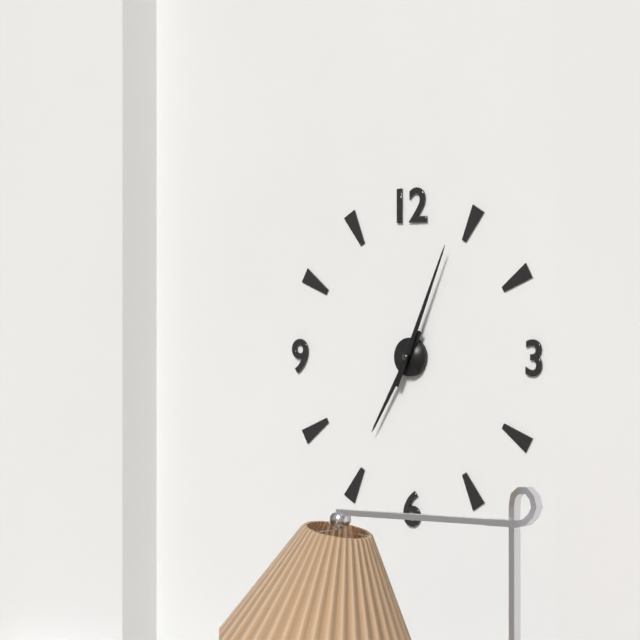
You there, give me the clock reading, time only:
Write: 7:04
